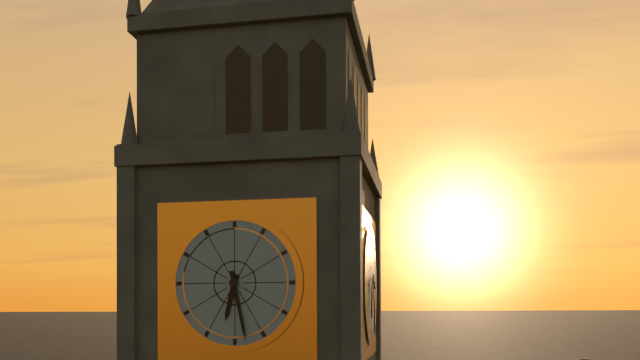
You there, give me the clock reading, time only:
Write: 6:28
